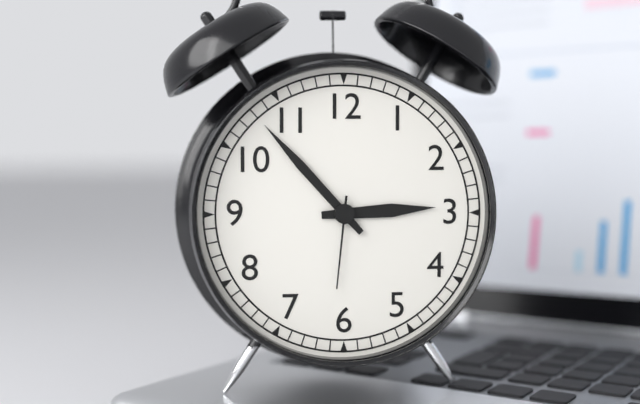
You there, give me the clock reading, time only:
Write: 2:53:31
